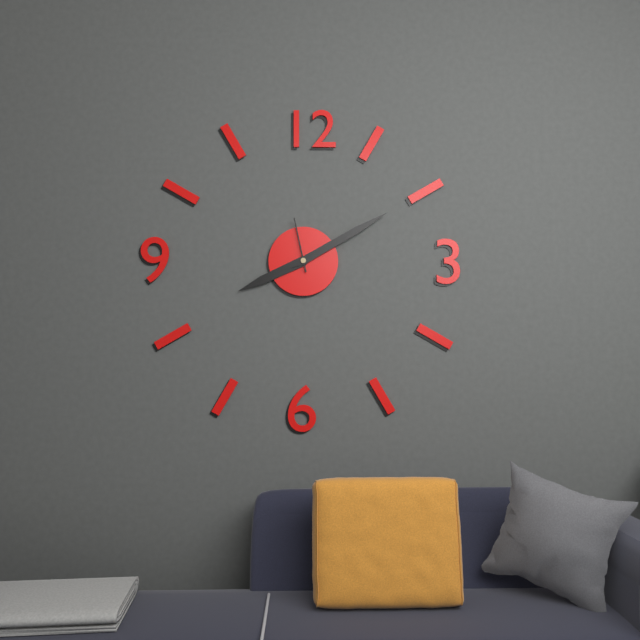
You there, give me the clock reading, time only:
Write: 8:10:58
